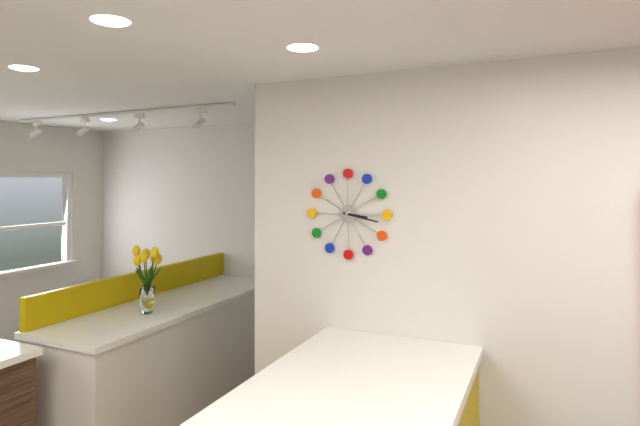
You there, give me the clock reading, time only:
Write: 3:17
